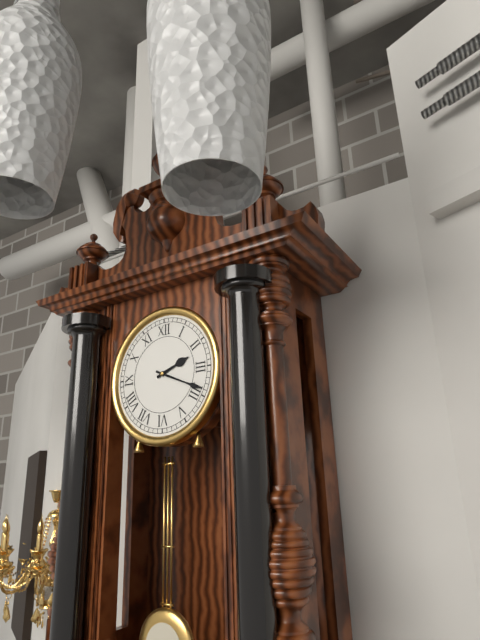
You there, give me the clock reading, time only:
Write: 2:19
